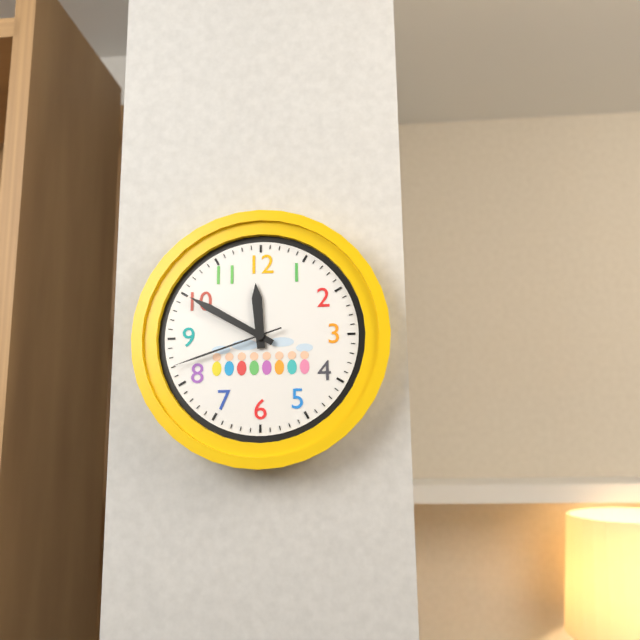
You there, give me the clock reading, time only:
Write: 11:50:42
